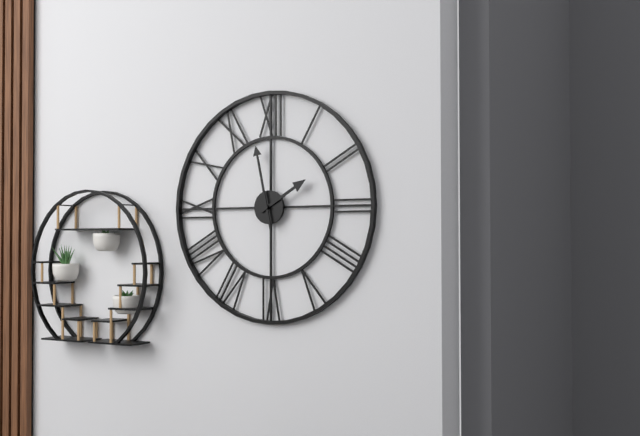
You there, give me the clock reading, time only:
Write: 1:58
